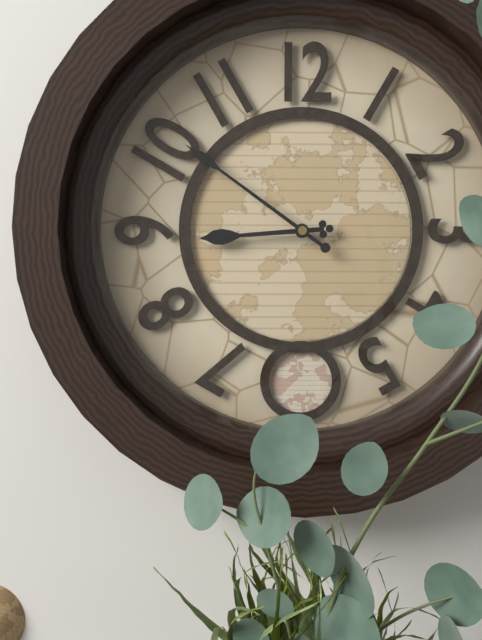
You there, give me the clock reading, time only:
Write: 8:51
